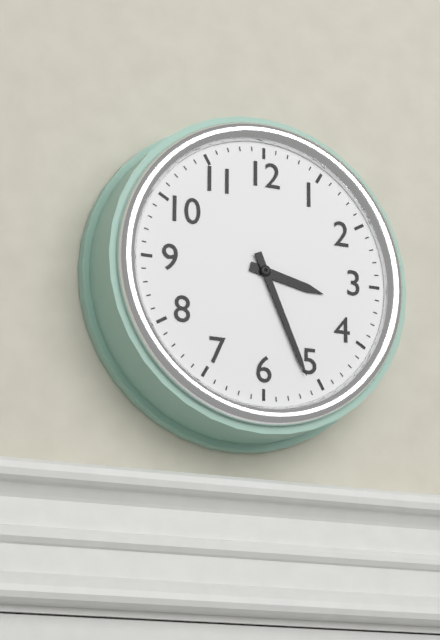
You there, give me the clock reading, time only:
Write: 3:26
